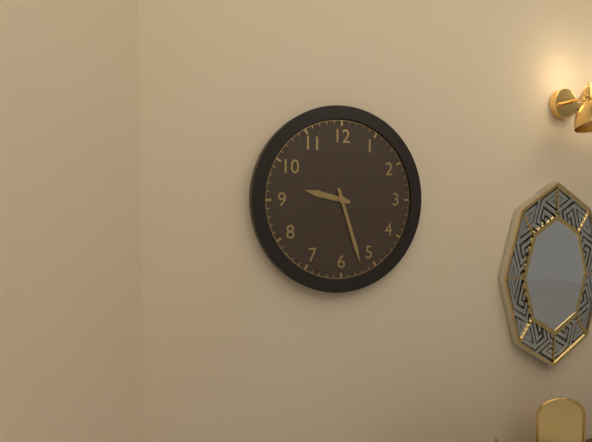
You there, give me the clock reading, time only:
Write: 9:27
